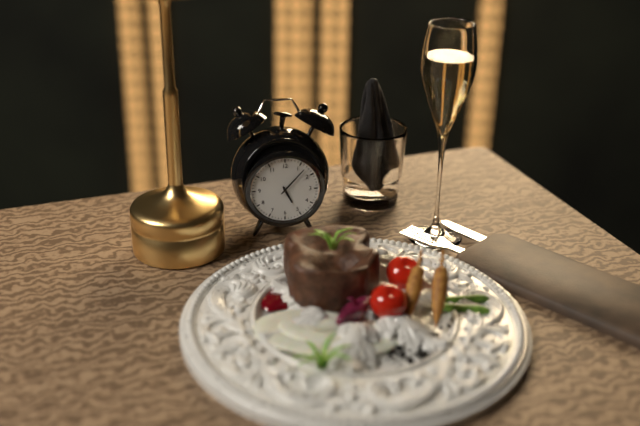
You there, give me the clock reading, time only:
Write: 5:07
